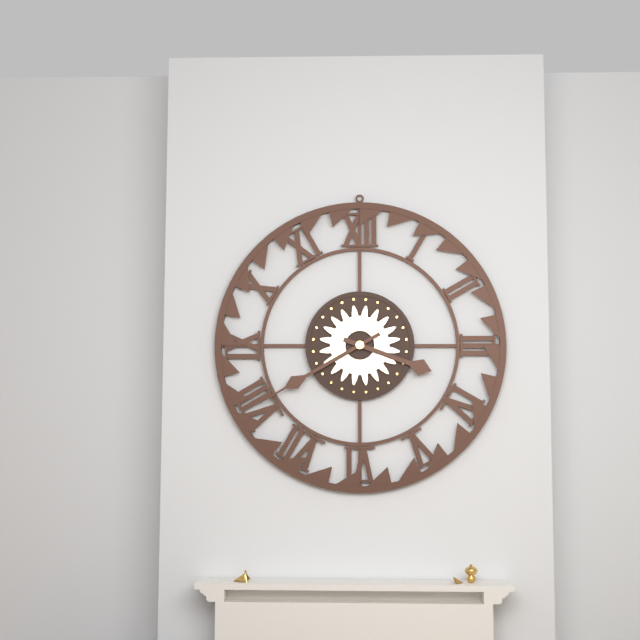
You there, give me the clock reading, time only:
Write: 3:40
